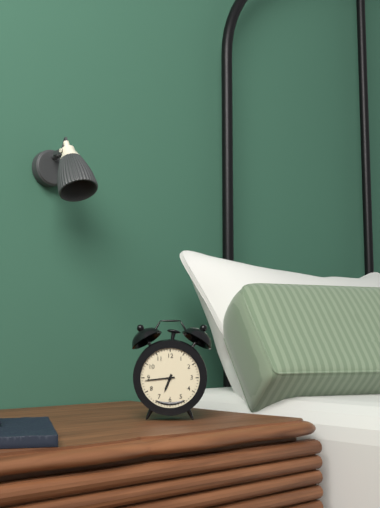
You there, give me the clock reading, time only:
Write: 6:44
